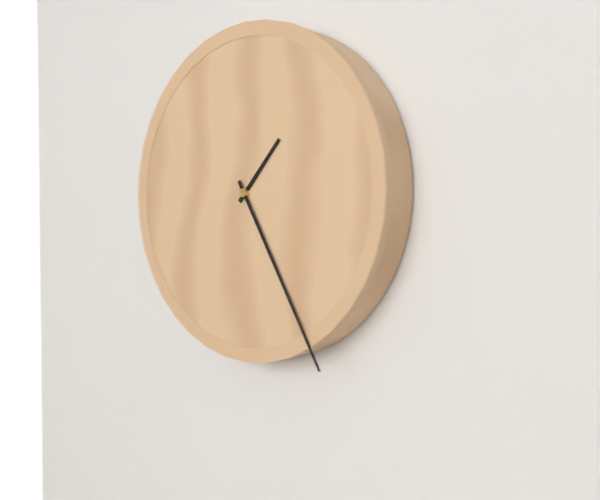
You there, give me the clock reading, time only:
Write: 1:25
